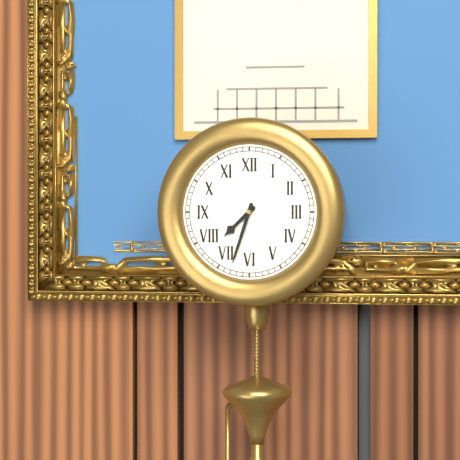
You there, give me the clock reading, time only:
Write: 7:33
